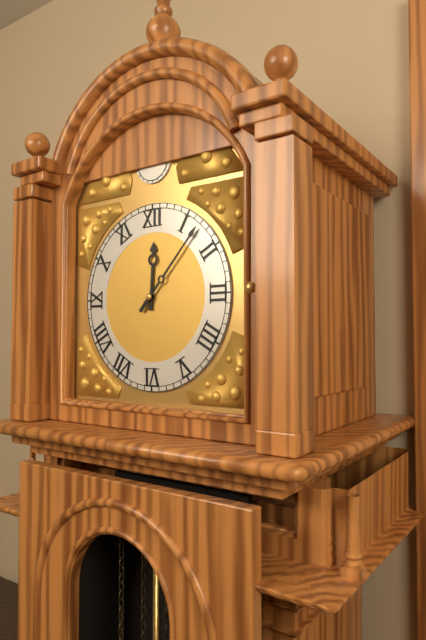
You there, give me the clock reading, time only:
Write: 12:07
